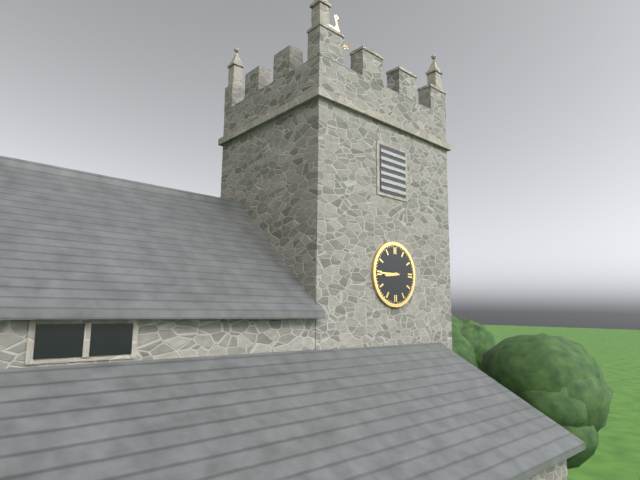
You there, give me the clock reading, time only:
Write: 8:45
